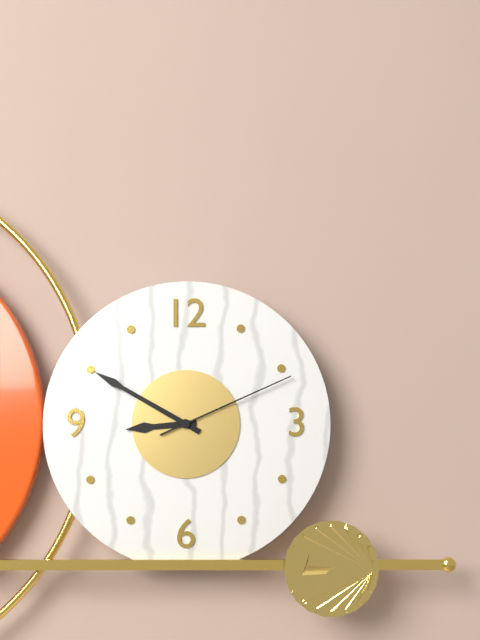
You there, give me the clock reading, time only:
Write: 8:50:11
